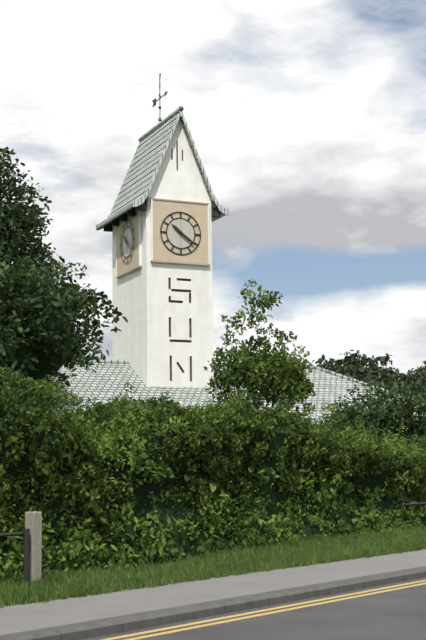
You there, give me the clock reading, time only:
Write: 10:21
